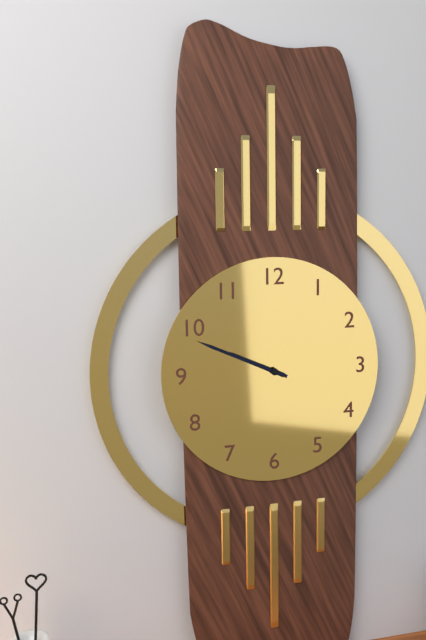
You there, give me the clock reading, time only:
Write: 9:49
